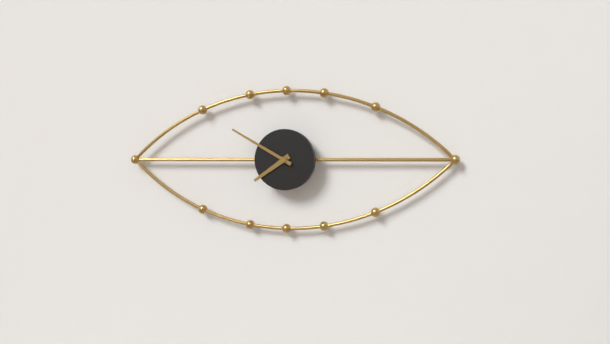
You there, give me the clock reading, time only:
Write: 7:50
